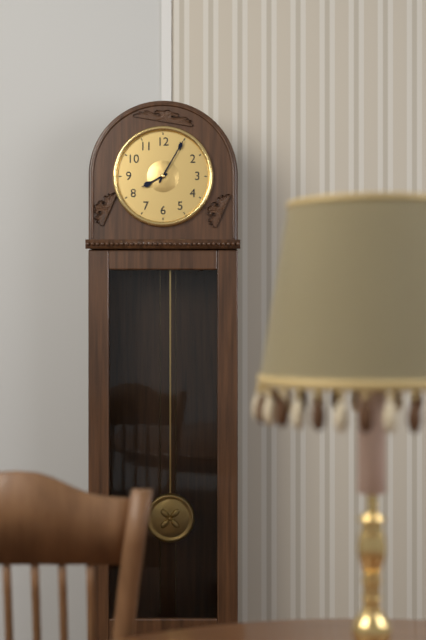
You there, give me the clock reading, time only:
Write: 8:05
